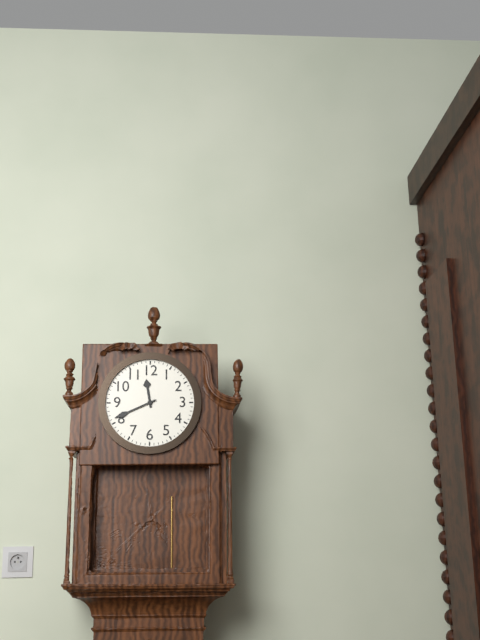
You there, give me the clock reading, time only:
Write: 11:41
